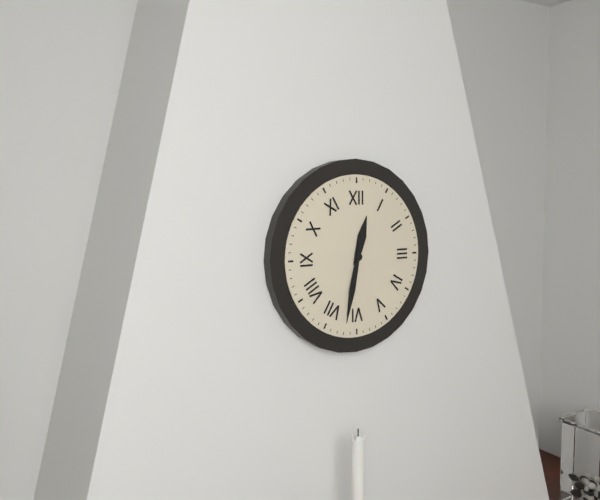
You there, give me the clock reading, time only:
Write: 12:32
